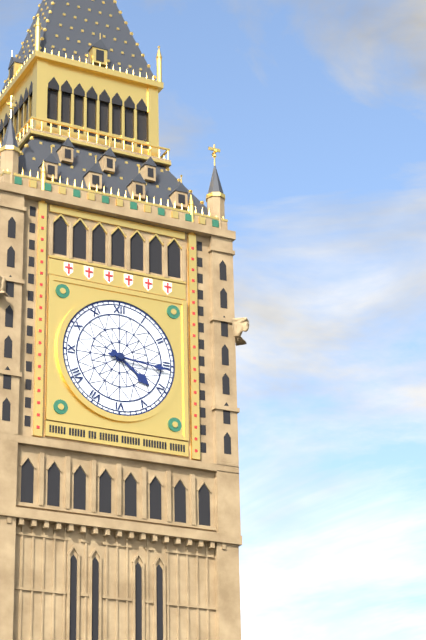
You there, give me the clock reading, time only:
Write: 4:16
